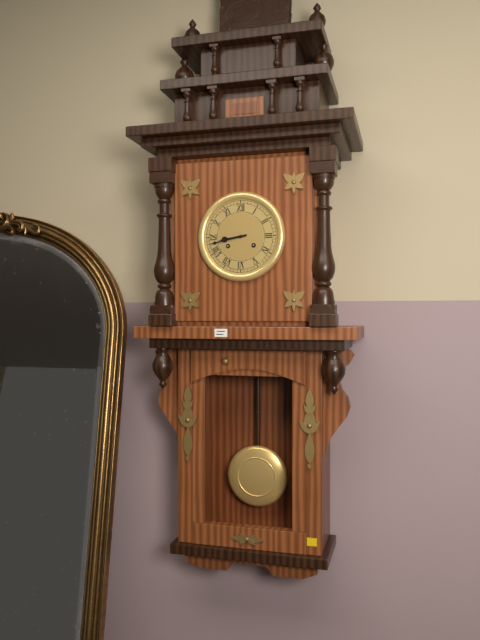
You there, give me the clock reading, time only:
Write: 8:43
